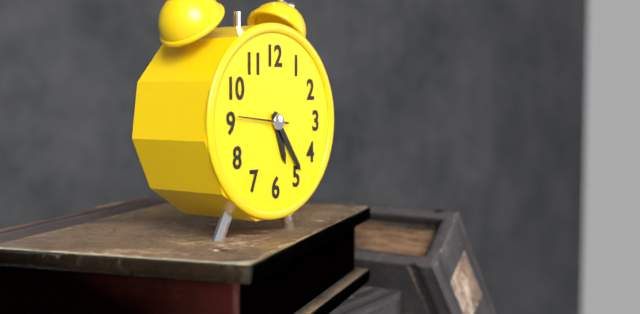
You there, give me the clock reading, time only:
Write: 5:24
